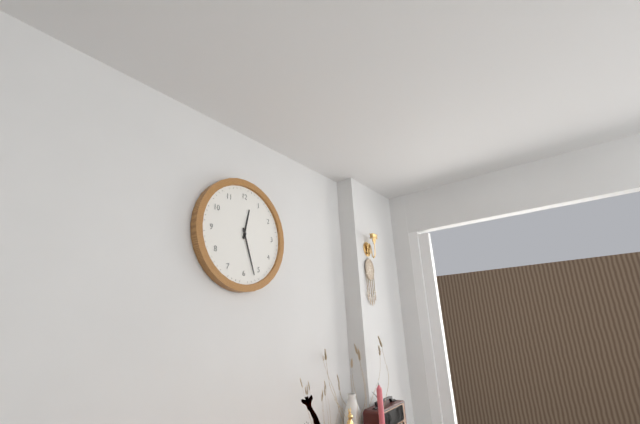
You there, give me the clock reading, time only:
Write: 12:27
